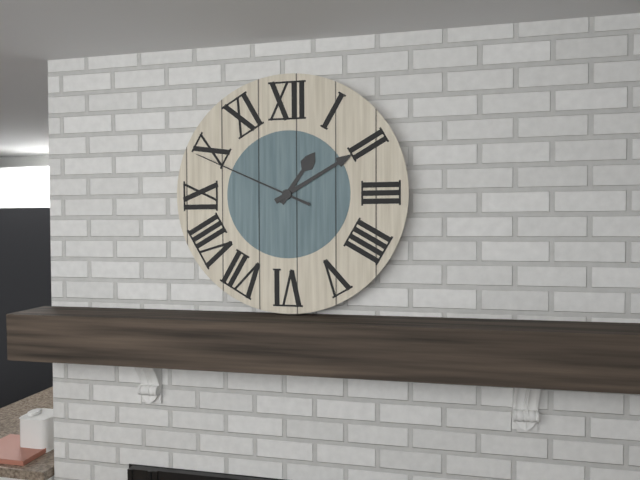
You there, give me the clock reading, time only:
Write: 1:10:49
